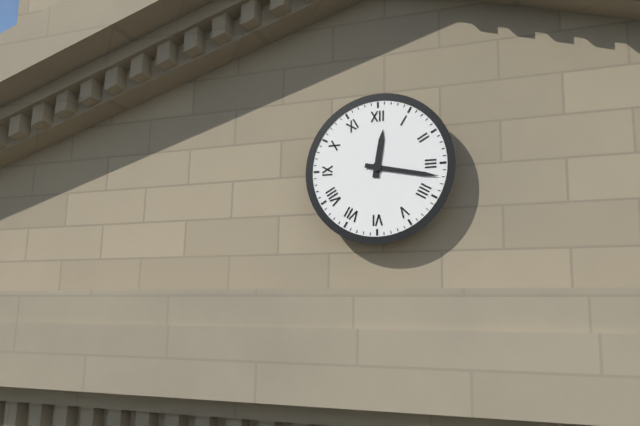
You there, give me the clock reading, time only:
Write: 12:17
